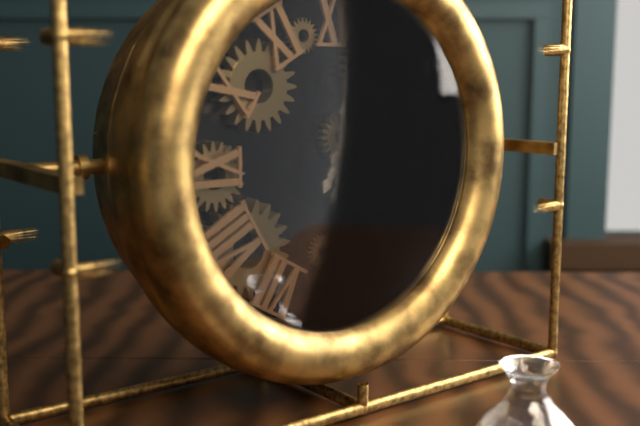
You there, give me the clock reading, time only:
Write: 1:01
